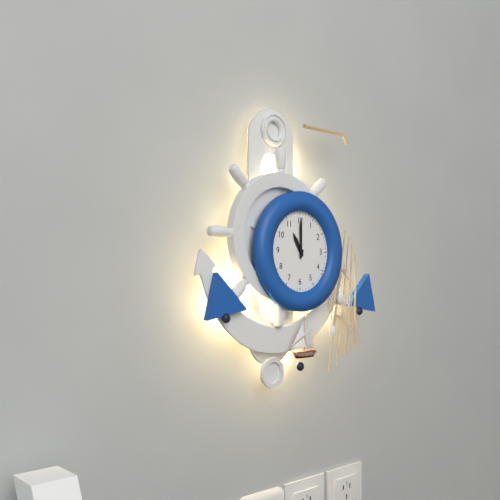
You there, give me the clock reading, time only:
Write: 11:00
